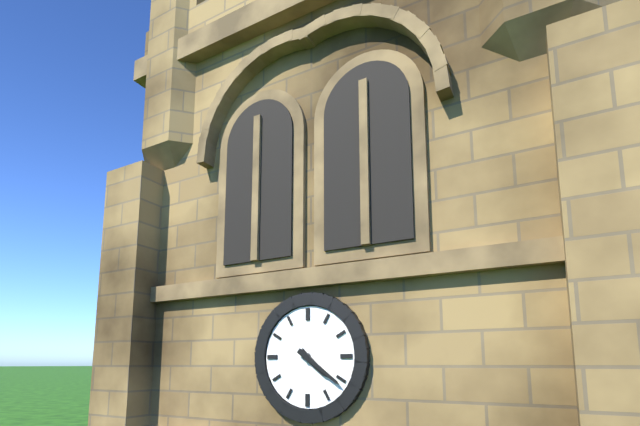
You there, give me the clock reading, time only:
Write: 4:21
